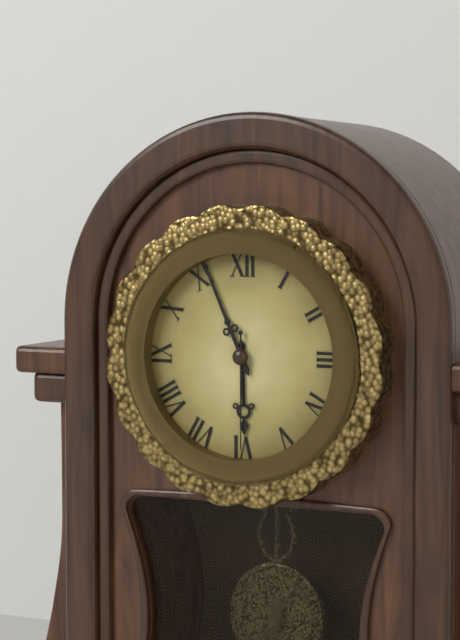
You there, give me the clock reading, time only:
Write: 5:56:30
